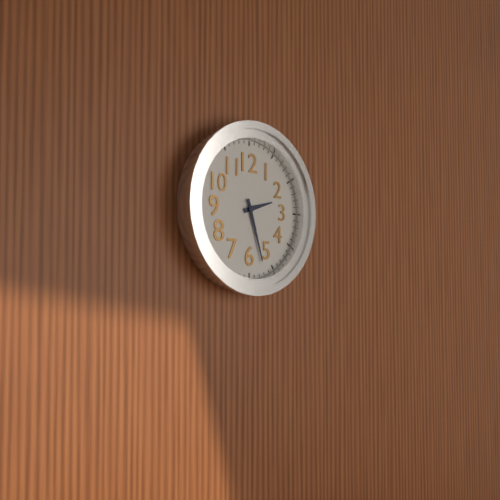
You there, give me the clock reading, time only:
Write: 2:27
